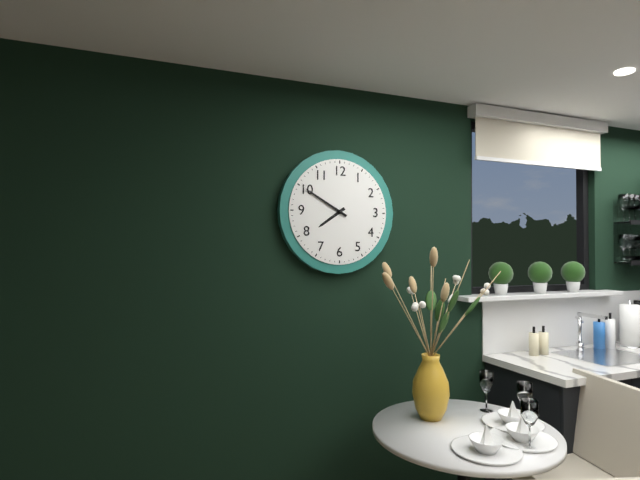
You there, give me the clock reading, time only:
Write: 7:50
